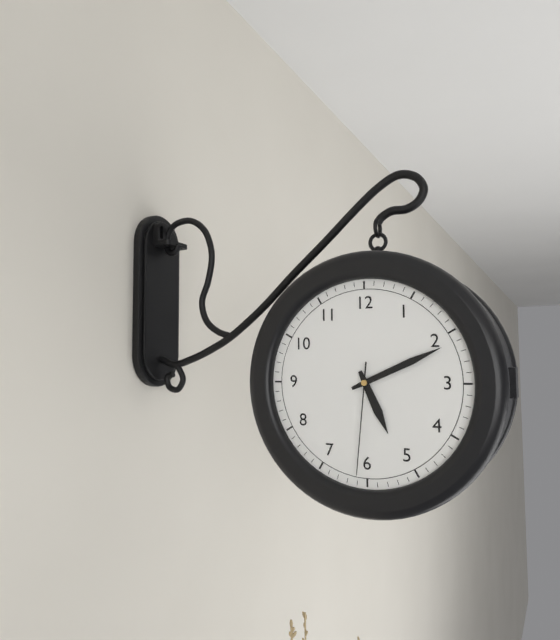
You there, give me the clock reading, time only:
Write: 5:11:31
